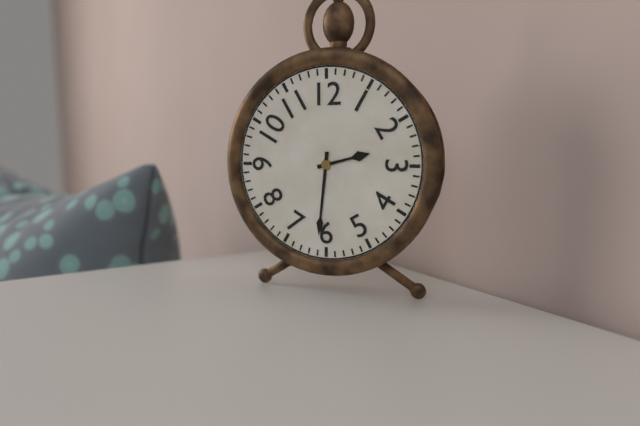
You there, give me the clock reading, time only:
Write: 2:31
